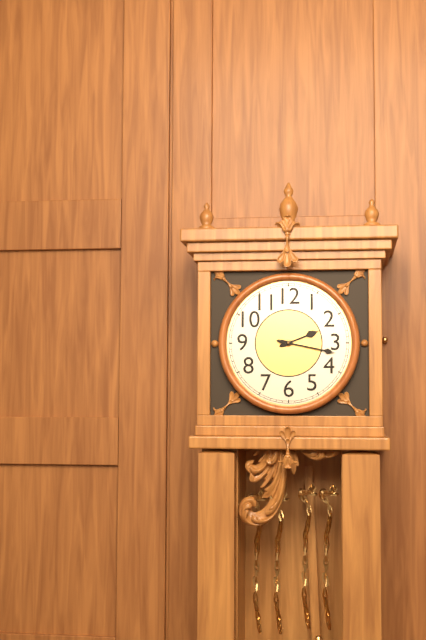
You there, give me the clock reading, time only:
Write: 2:17
